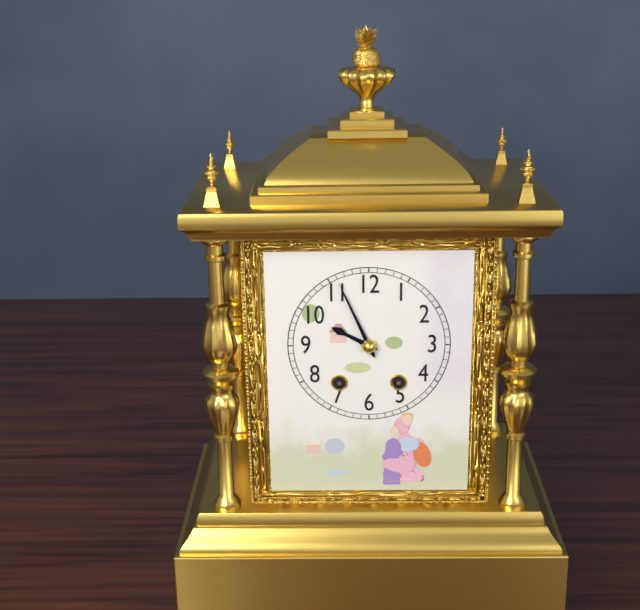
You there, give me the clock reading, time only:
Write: 9:56
